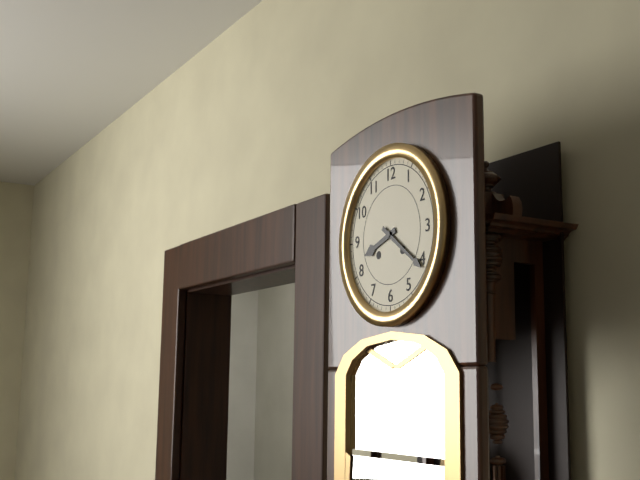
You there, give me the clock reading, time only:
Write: 8:21
